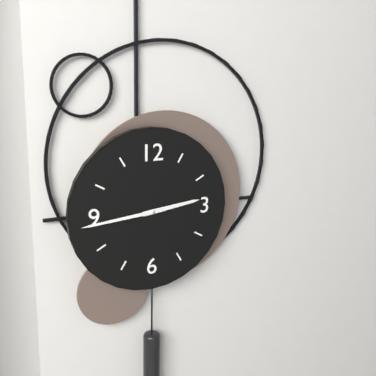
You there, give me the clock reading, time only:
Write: 2:44
